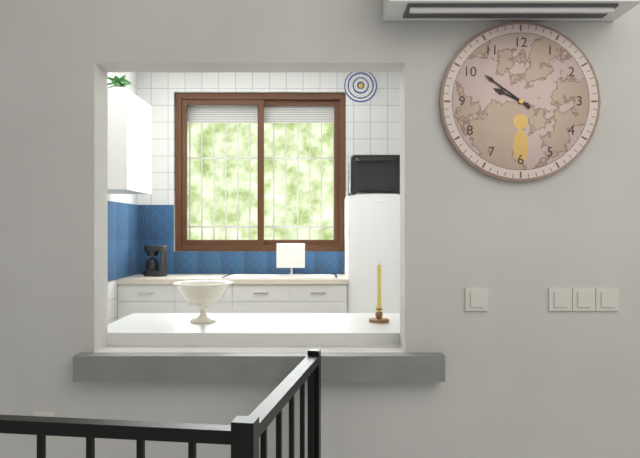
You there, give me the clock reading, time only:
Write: 9:51
